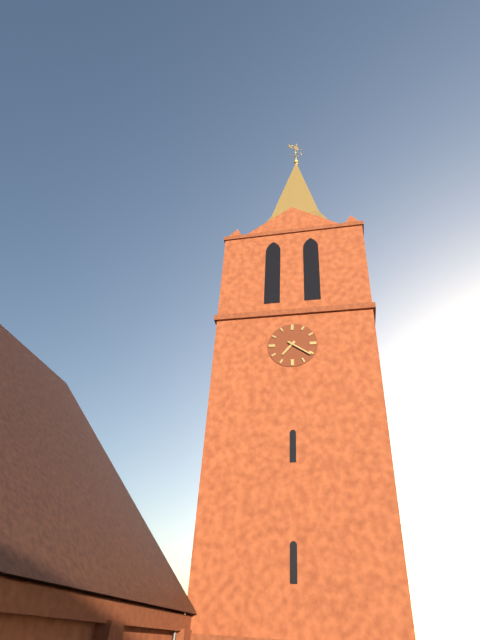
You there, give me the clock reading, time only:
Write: 7:21
